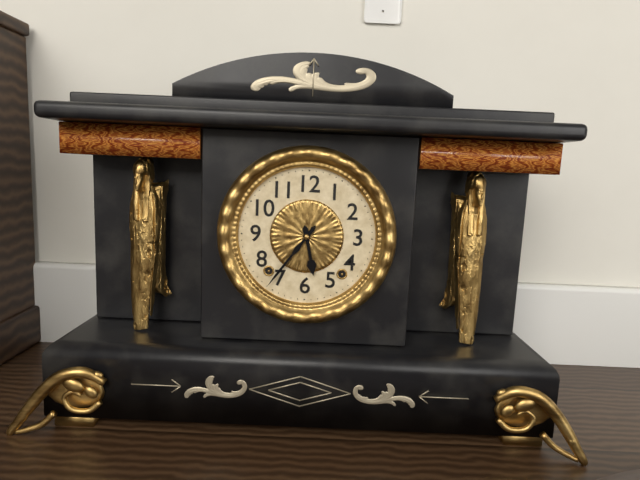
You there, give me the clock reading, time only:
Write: 5:36
